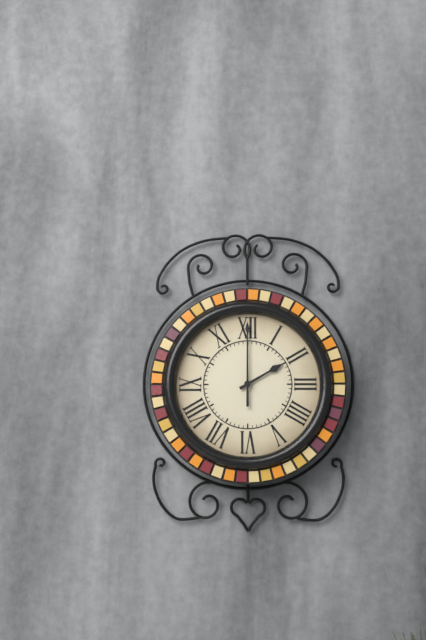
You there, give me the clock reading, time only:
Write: 2:00
